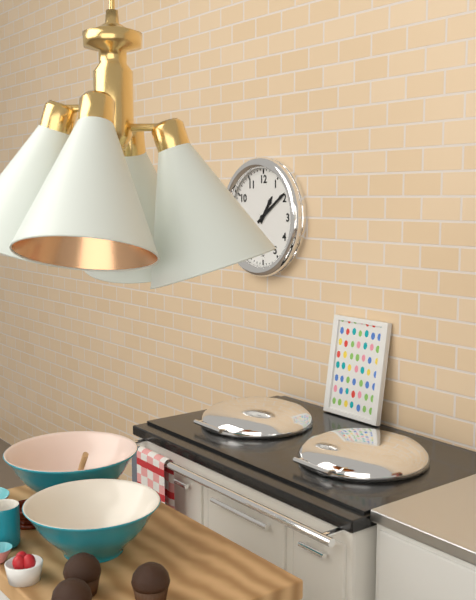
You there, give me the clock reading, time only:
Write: 1:09
